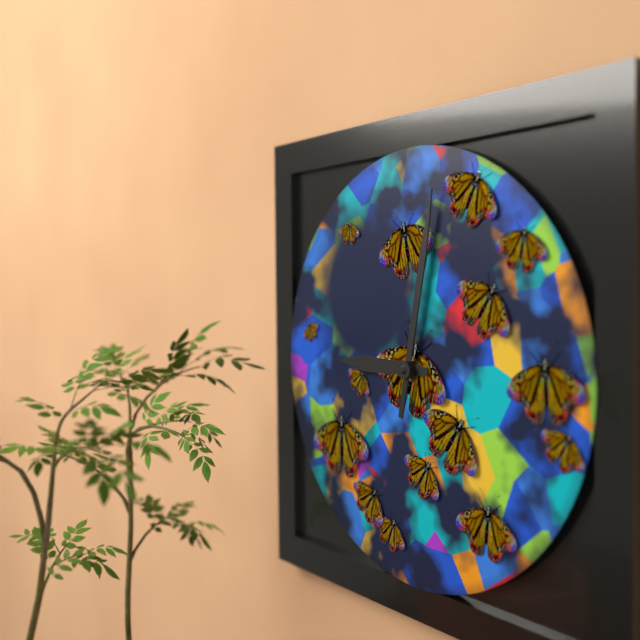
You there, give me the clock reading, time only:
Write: 9:02
